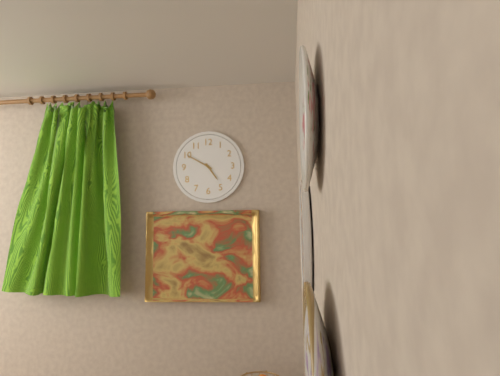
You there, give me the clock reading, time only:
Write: 4:50
